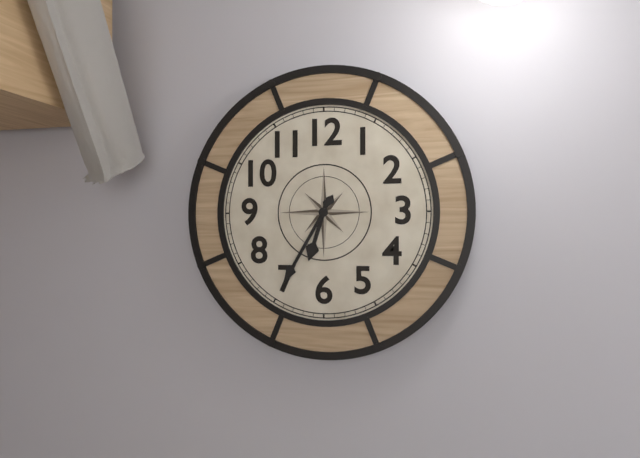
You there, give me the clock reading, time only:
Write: 6:35
